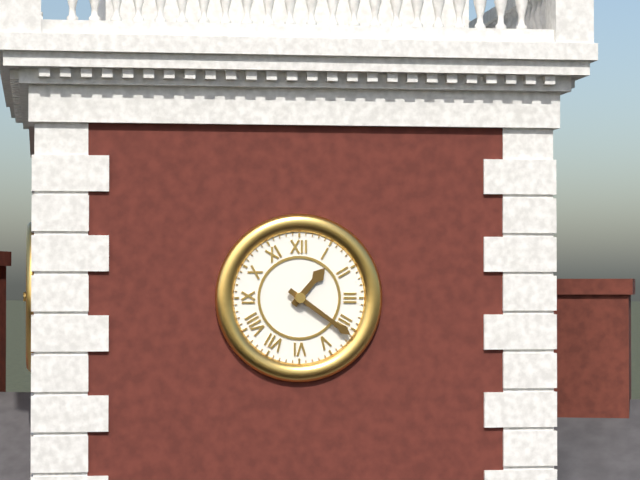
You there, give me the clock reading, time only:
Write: 1:21
